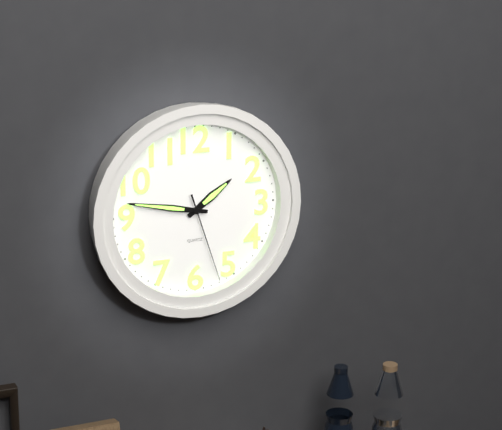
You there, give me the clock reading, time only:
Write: 1:47:27
